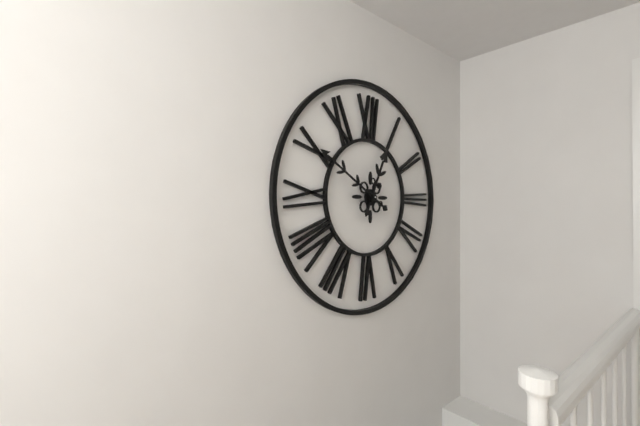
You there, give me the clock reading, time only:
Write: 12:50
